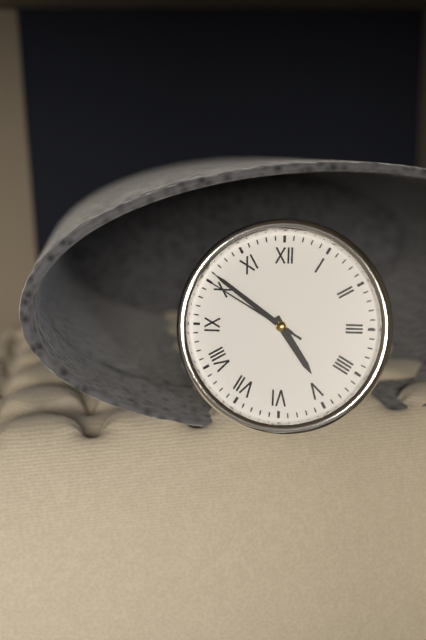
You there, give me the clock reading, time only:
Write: 4:51:50
